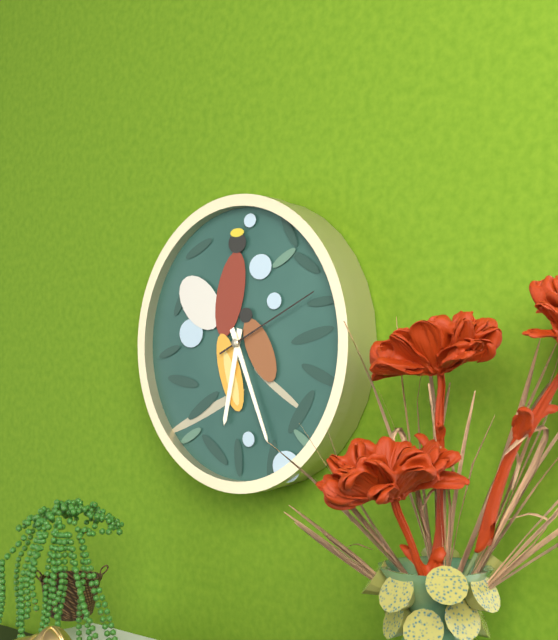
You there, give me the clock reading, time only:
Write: 6:26:11
